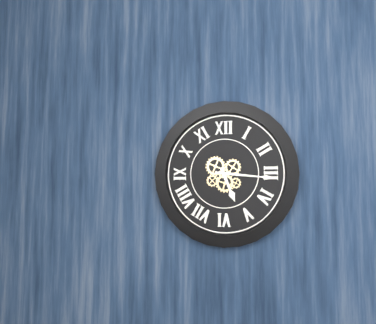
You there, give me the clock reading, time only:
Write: 5:16
